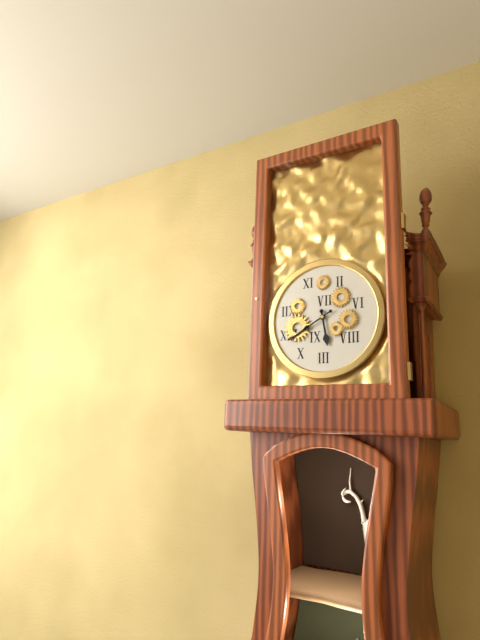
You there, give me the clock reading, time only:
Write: 5:40
